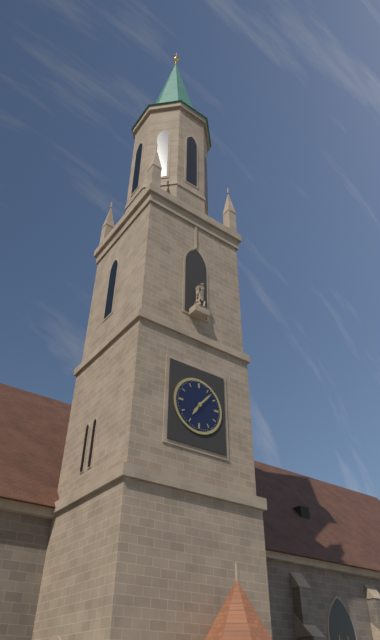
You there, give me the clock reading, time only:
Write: 7:07
